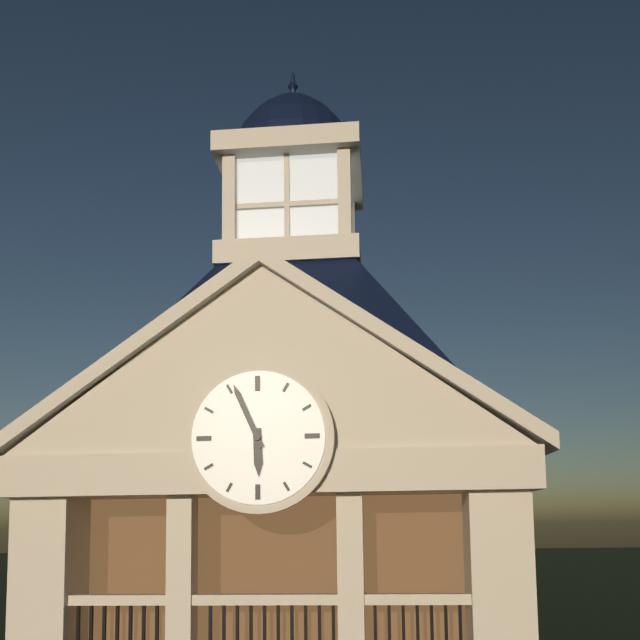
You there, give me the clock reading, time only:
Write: 5:56
